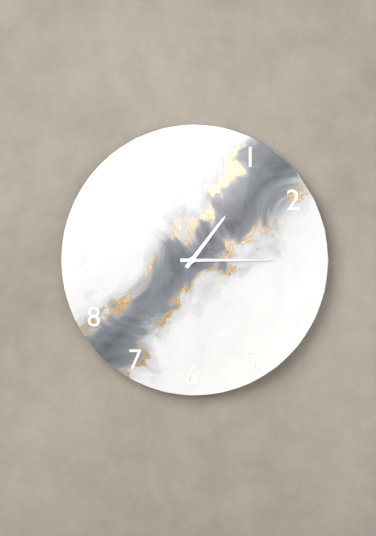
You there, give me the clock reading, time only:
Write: 1:15
